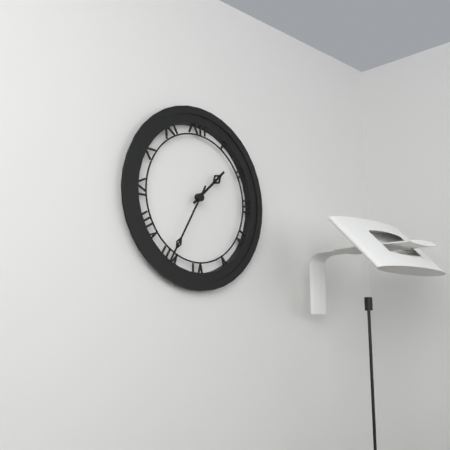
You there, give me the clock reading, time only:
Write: 1:35
